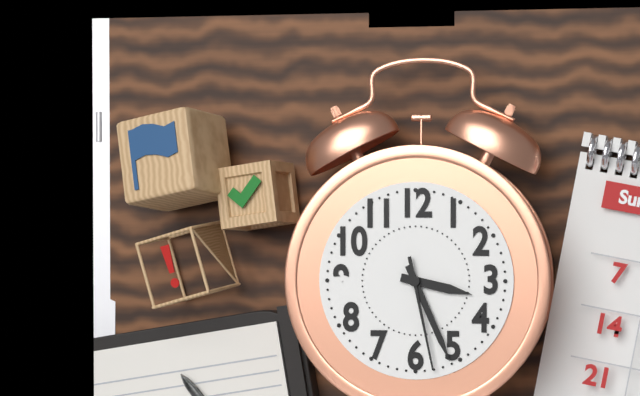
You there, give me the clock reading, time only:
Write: 3:26:28
